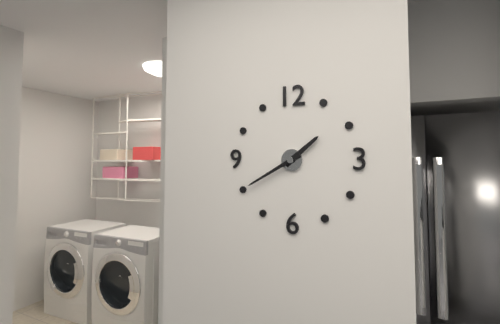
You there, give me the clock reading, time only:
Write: 1:40
